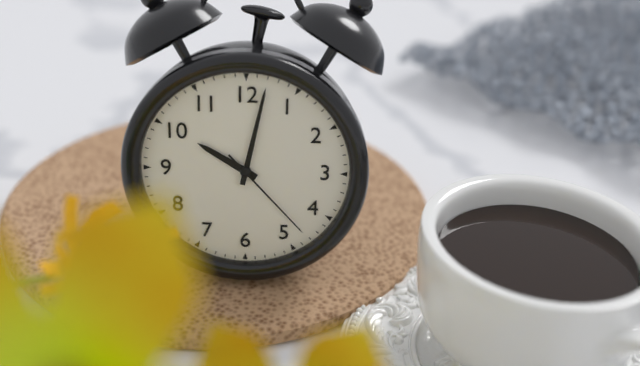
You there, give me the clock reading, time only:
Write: 10:02:23
